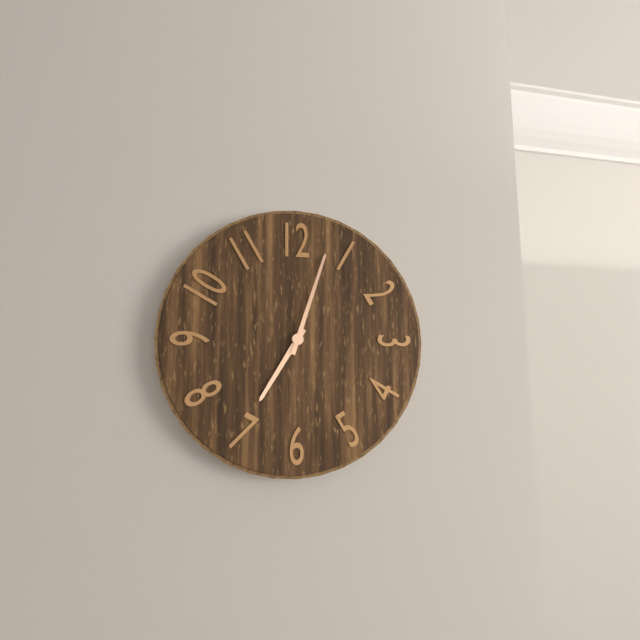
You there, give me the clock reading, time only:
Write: 7:03
